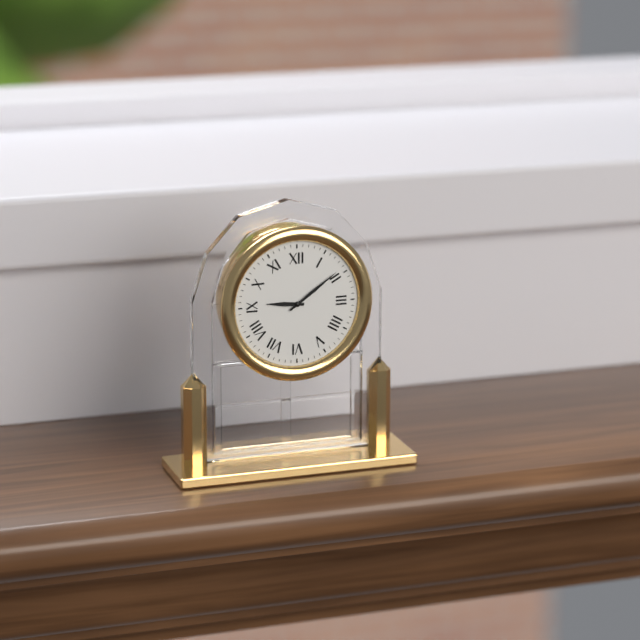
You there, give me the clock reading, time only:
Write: 9:09
